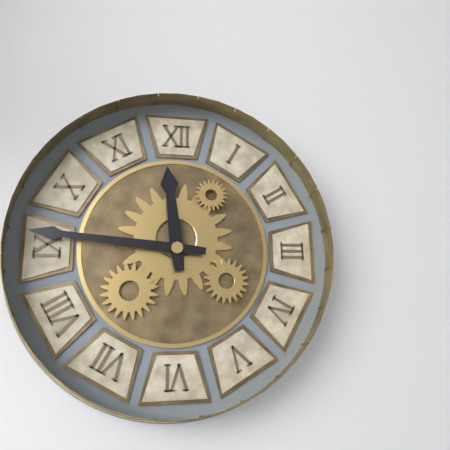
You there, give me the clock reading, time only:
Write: 11:46
